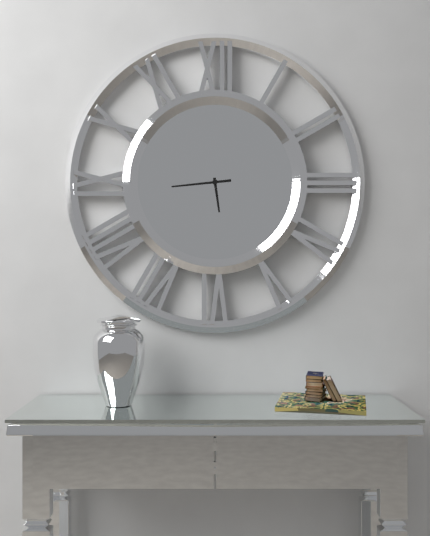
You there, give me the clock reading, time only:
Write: 5:44
